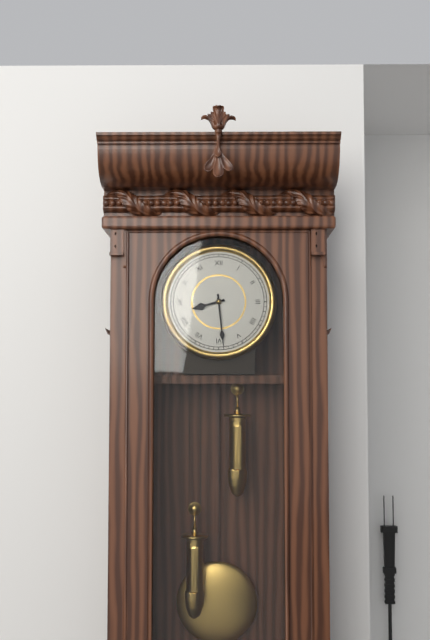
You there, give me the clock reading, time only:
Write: 8:29
